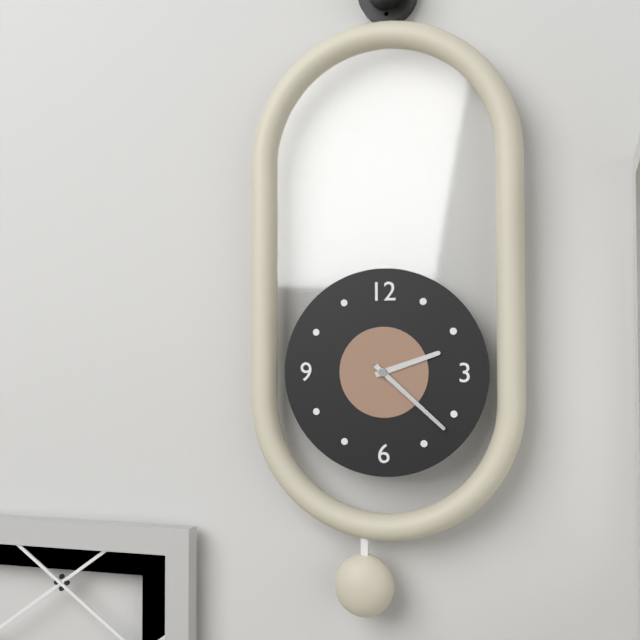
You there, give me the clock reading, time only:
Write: 2:22
